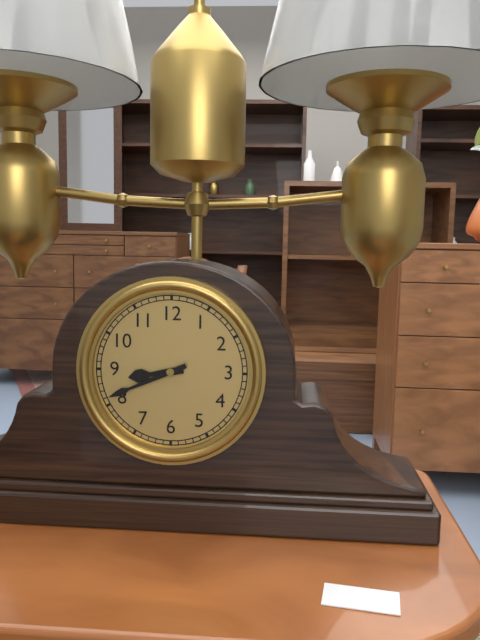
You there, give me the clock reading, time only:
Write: 8:41
